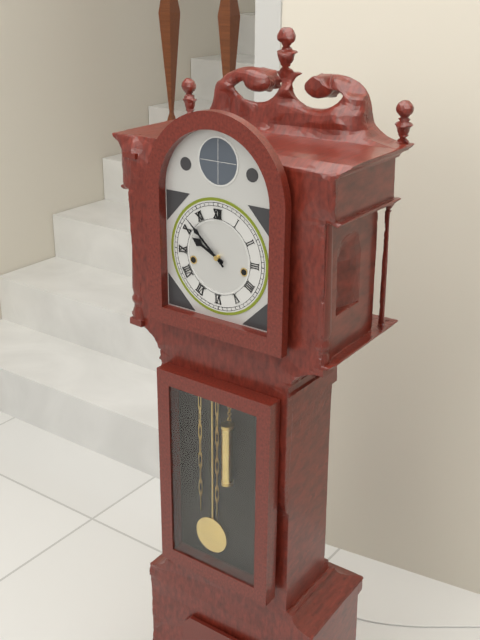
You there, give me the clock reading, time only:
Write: 9:52
